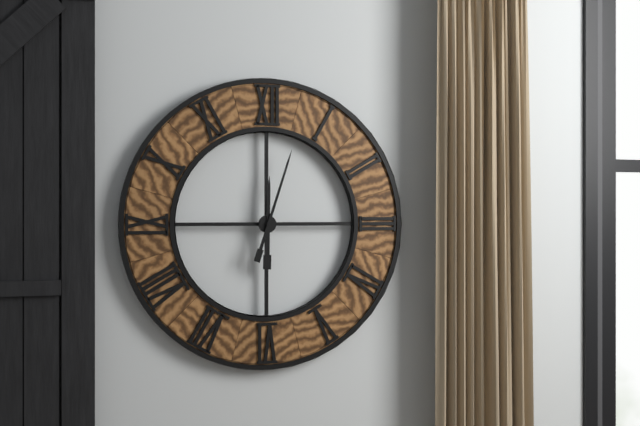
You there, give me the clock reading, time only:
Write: 12:03
